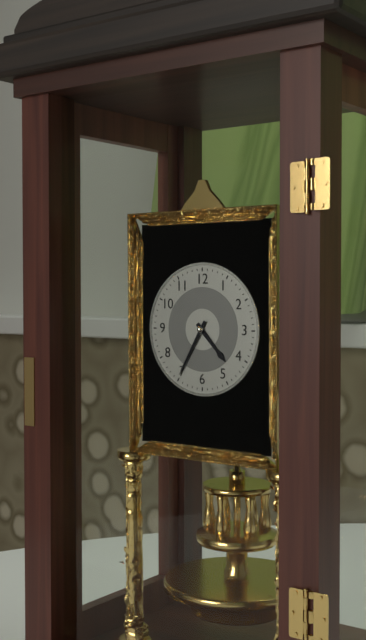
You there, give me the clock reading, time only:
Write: 4:35
